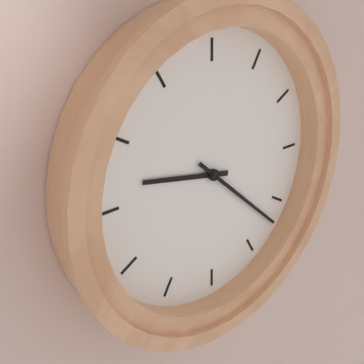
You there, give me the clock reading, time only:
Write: 9:22
